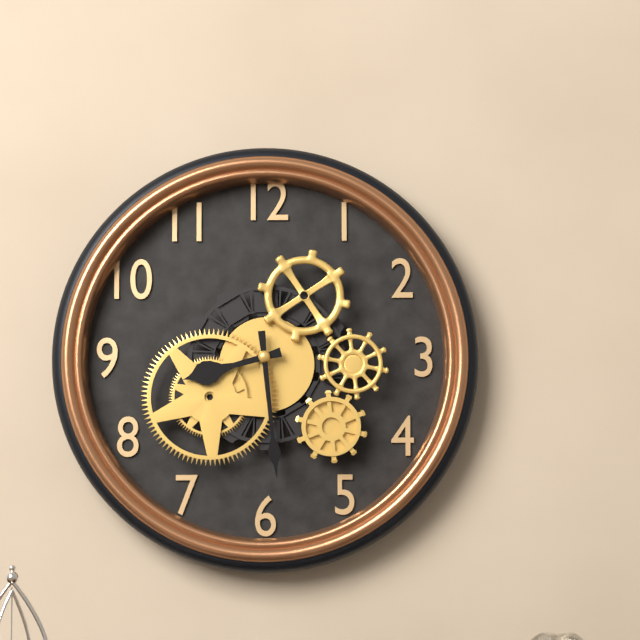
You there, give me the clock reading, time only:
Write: 8:29
